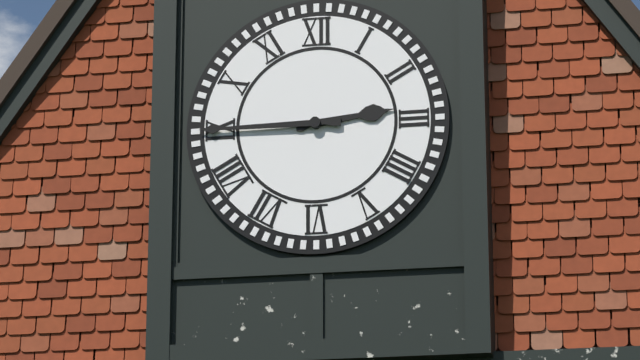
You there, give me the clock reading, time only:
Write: 2:45
